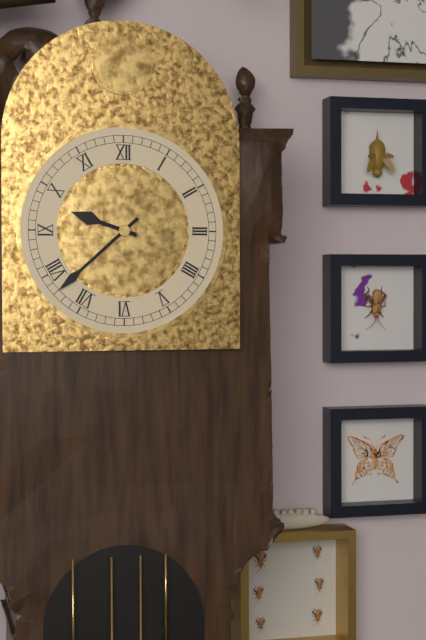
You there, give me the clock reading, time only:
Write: 9:38
